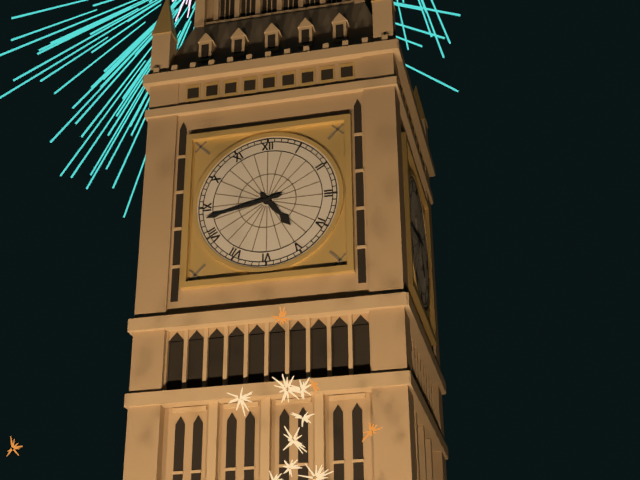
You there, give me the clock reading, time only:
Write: 4:43
